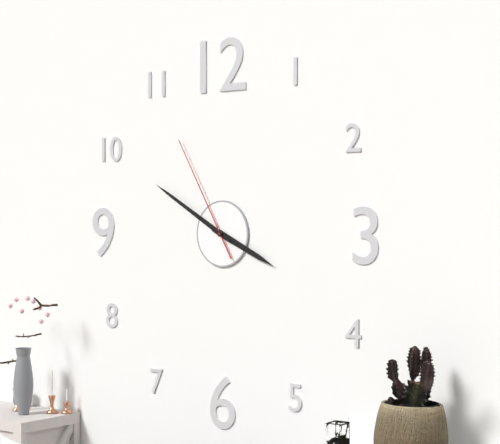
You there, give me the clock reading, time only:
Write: 3:50:55
